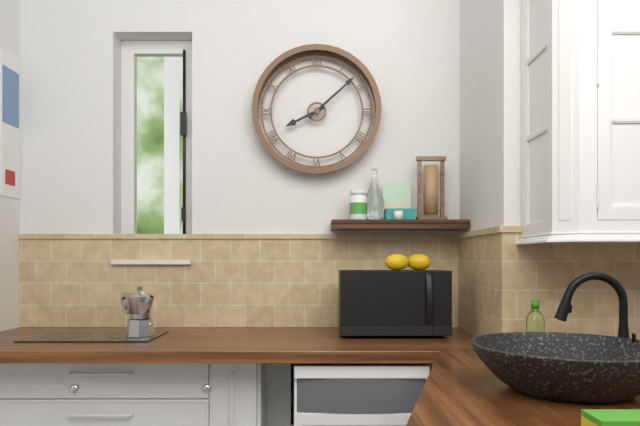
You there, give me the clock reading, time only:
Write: 8:08
